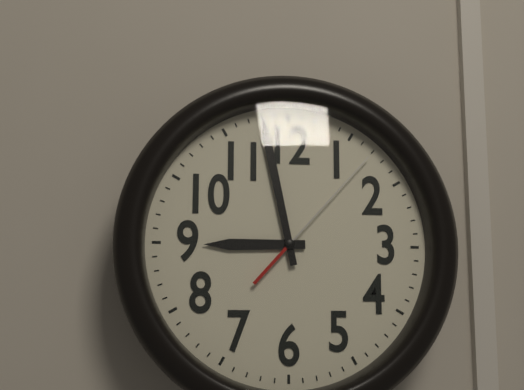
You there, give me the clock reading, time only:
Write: 8:58:07
